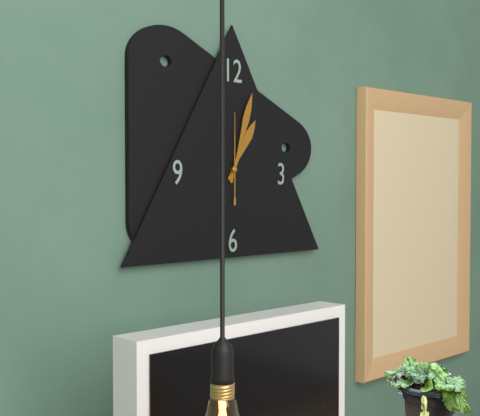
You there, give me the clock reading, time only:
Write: 1:03:00
